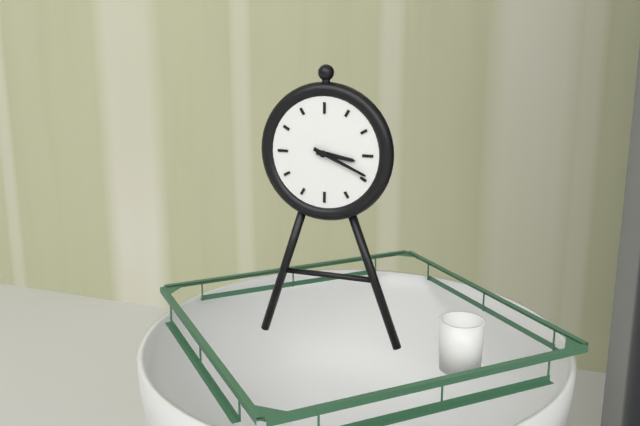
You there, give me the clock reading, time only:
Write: 3:19
